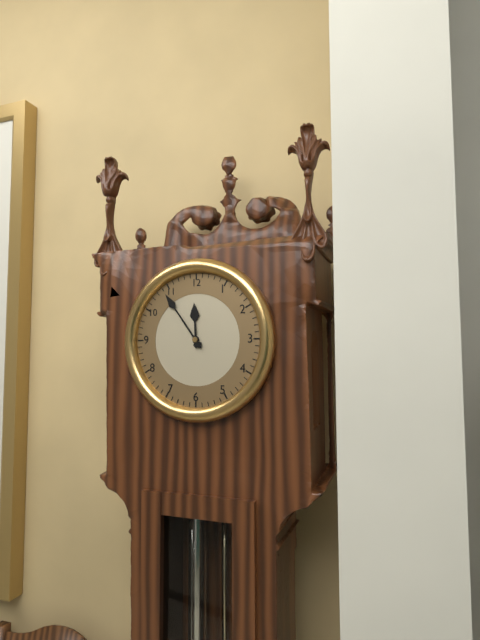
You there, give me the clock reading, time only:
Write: 11:54
